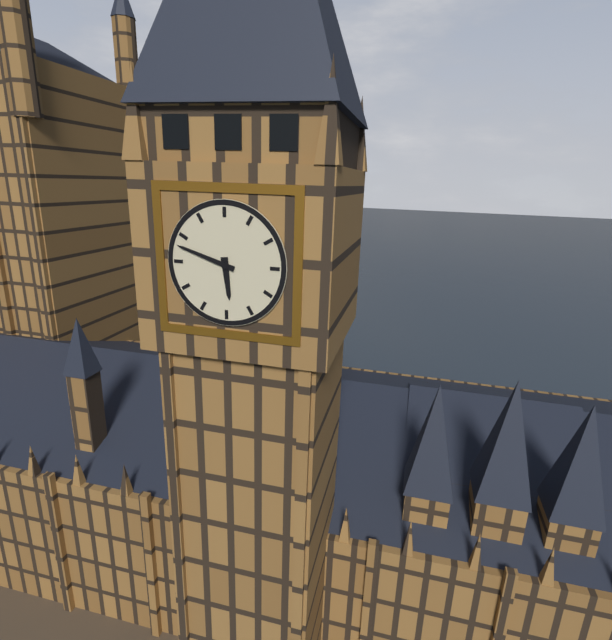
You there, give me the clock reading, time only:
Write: 5:48
